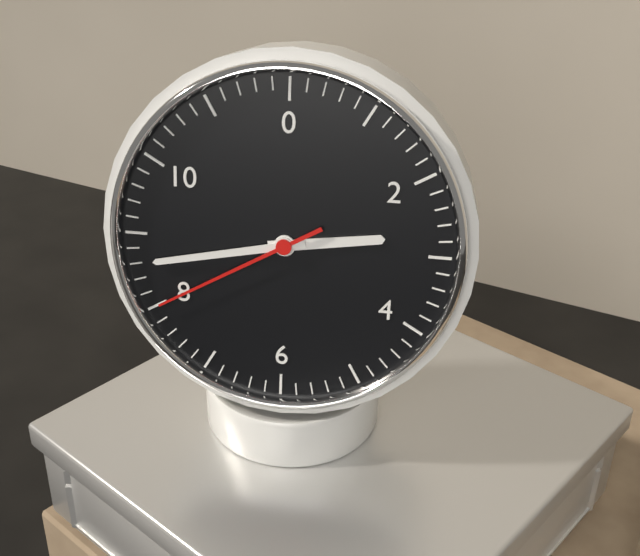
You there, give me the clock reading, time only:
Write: 2:43:40
